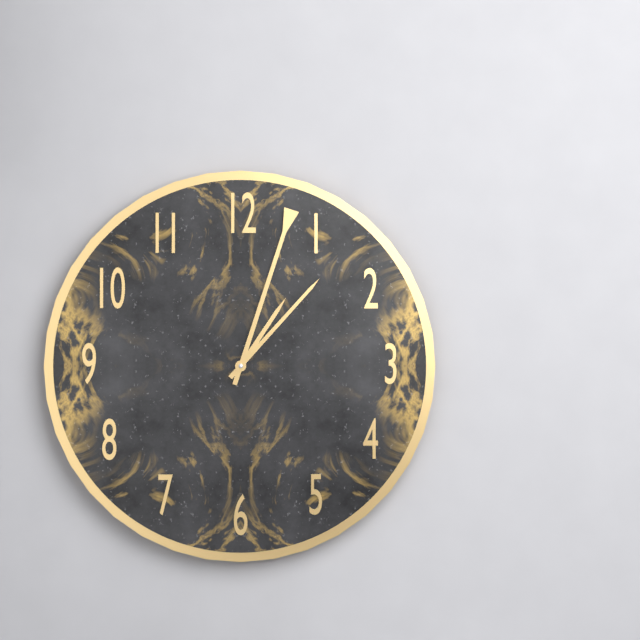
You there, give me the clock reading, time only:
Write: 1:07:03
